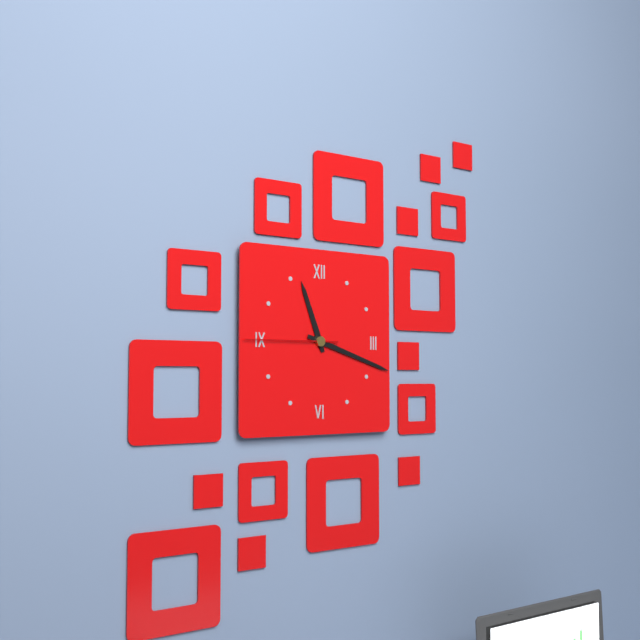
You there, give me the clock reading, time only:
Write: 11:18:45
